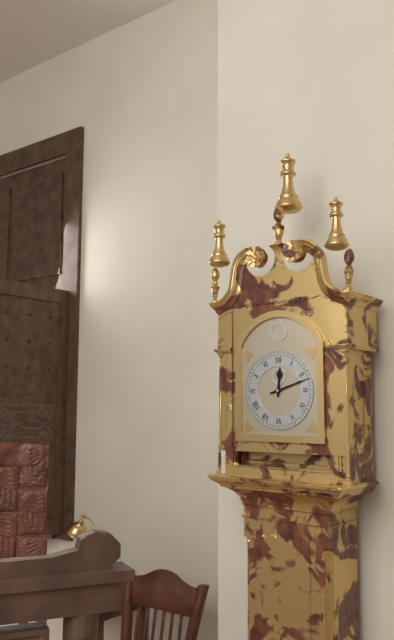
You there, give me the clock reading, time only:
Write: 12:12
